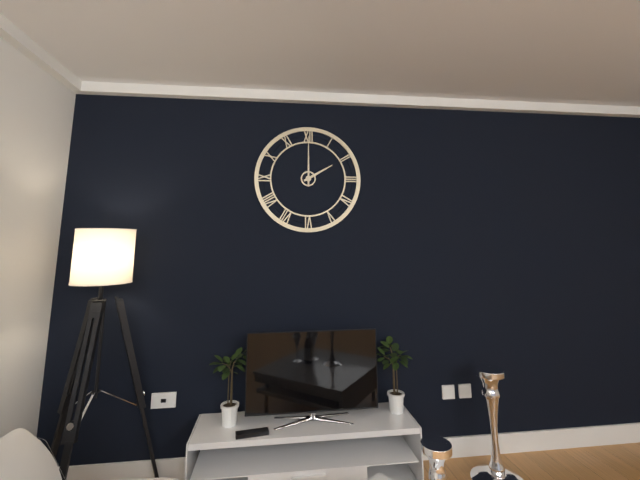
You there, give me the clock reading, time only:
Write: 2:00
